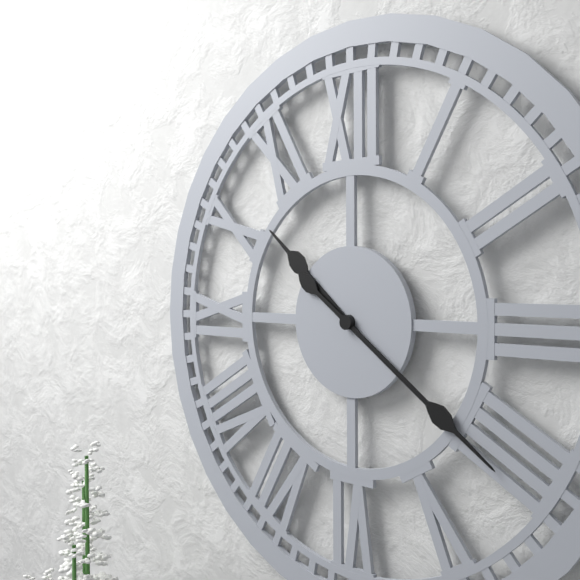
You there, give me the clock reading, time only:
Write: 10:21
